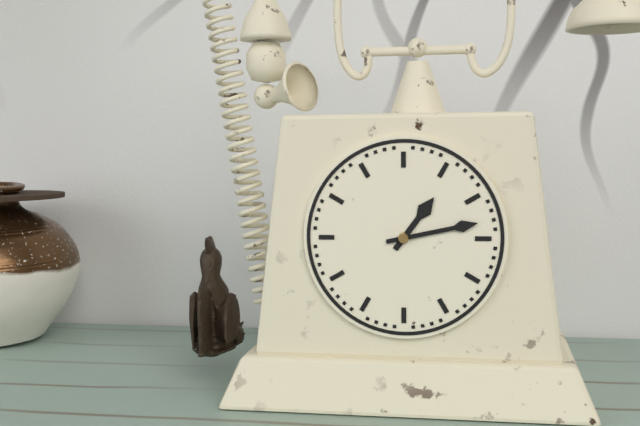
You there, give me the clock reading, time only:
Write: 1:13
